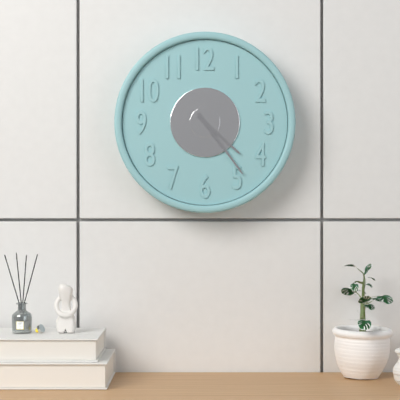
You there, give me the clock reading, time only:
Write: 4:24
